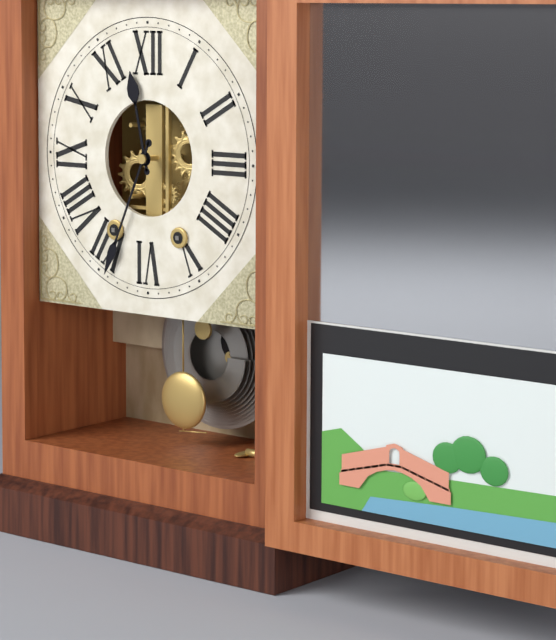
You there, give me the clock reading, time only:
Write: 11:34
